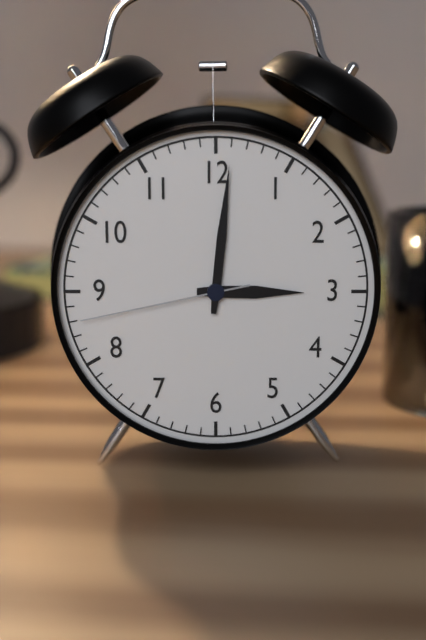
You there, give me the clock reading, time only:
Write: 3:01:43
